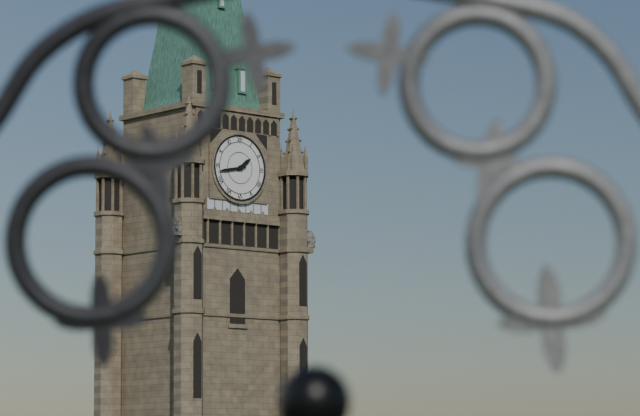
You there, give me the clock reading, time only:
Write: 1:43
